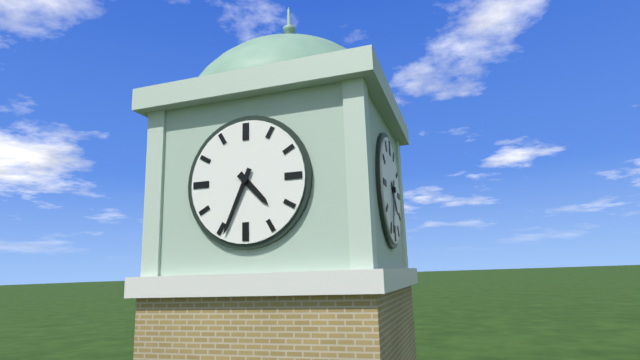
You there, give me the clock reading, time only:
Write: 4:34
